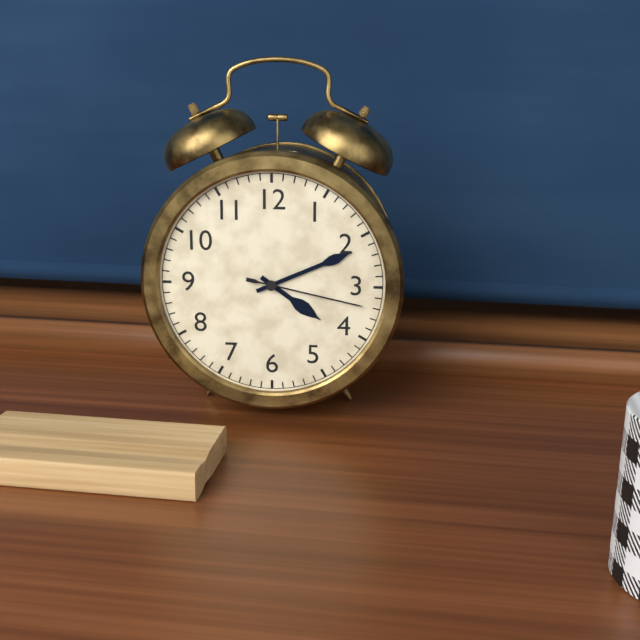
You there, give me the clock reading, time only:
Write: 4:11:17
